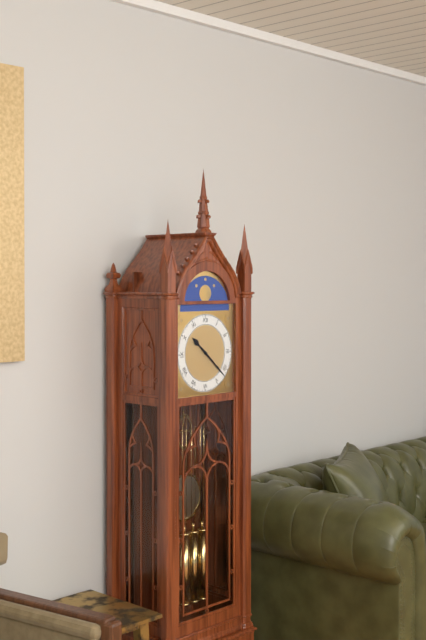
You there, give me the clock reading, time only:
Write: 10:22
